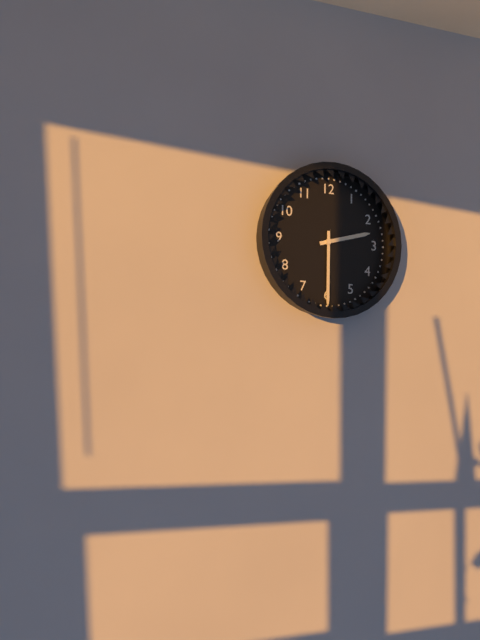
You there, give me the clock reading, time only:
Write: 2:30
